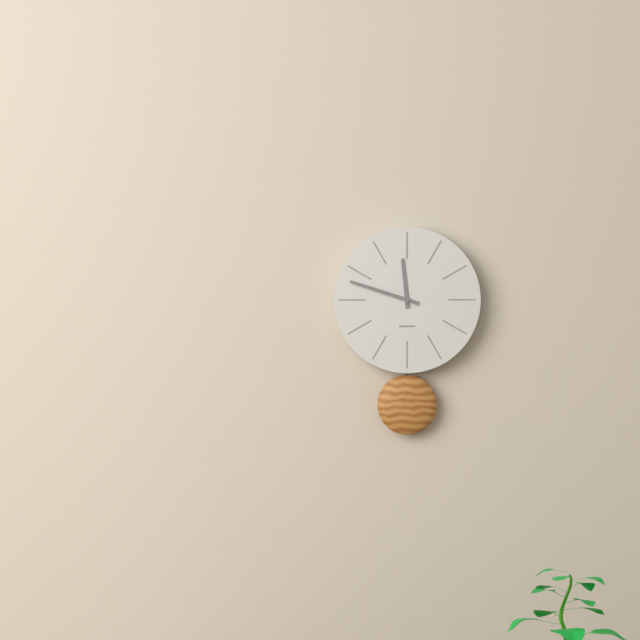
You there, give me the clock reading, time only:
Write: 11:48
